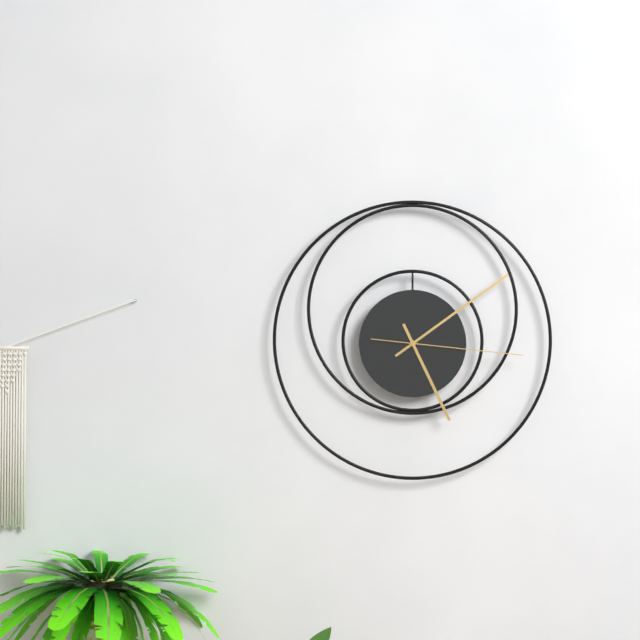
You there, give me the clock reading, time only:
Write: 5:09:16
